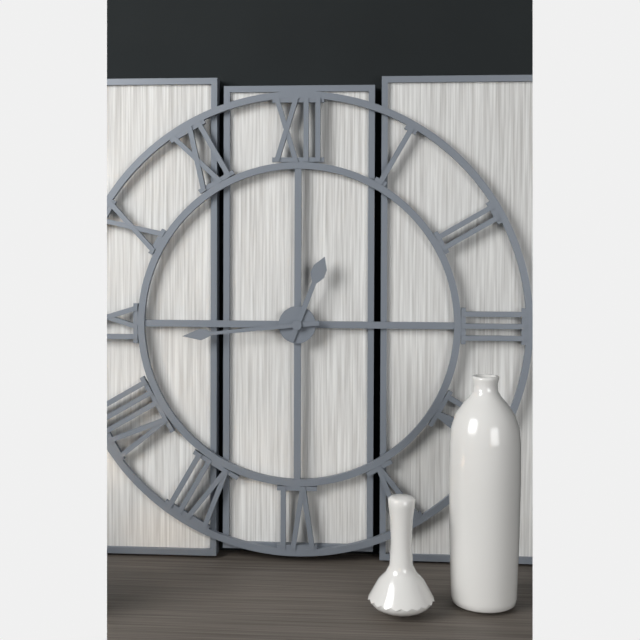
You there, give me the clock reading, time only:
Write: 12:44
